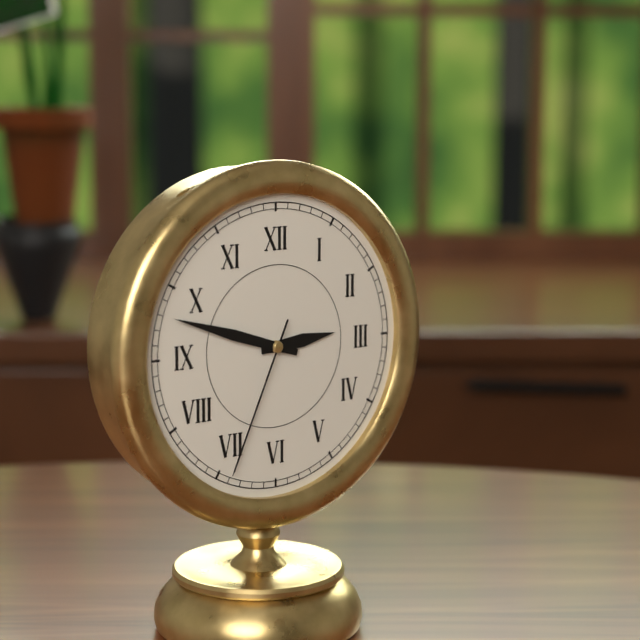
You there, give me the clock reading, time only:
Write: 2:48:34
